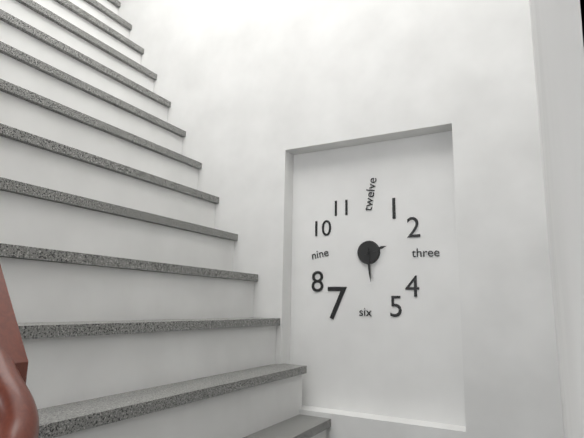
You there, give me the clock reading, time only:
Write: 2:29
